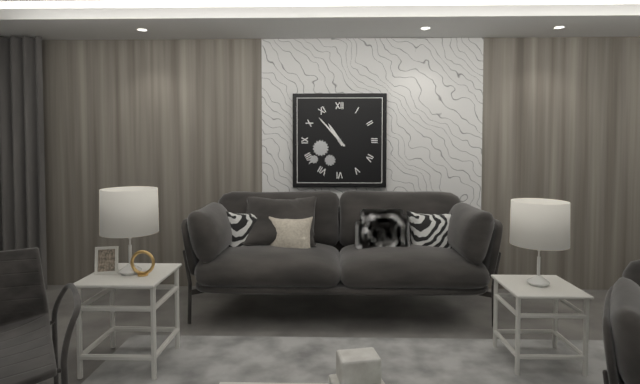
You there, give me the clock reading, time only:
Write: 10:53
